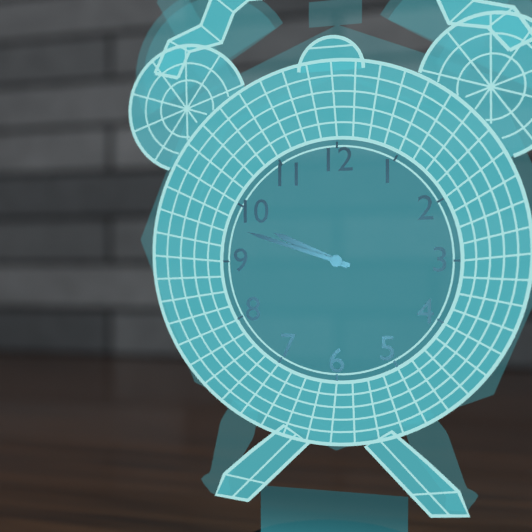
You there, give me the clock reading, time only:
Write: 9:48
